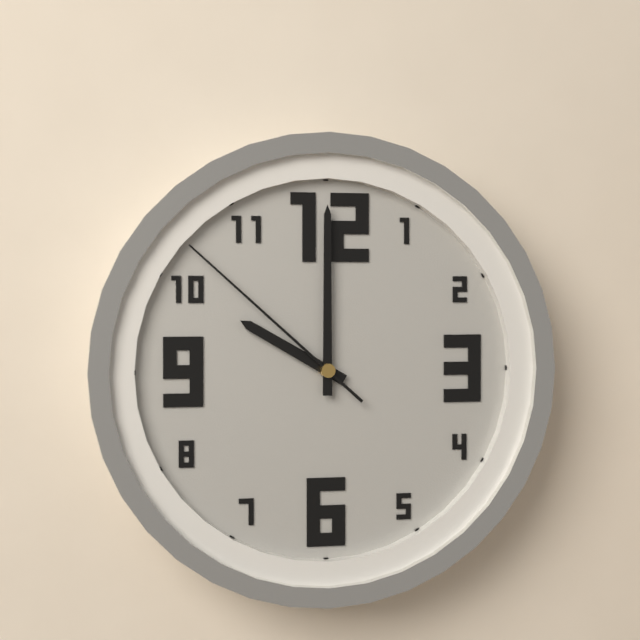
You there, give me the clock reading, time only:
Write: 10:00:52
